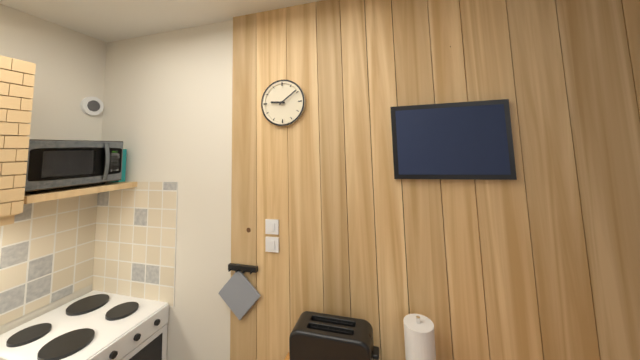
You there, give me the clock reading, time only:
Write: 9:09
